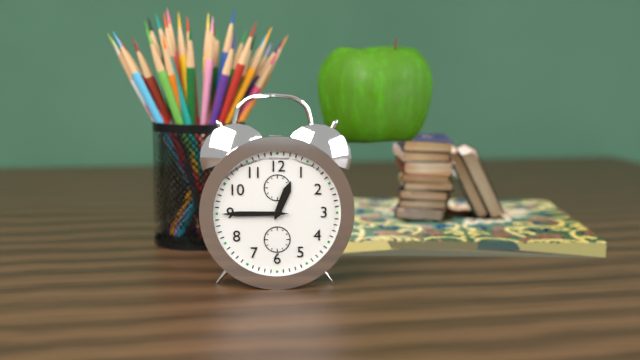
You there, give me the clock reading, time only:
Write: 12:45
